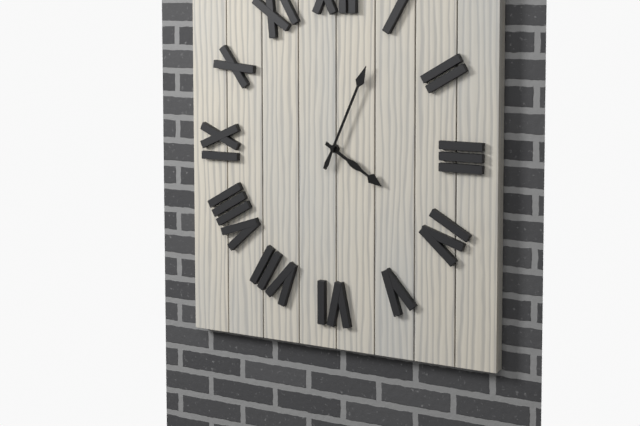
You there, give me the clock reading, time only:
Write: 4:04
